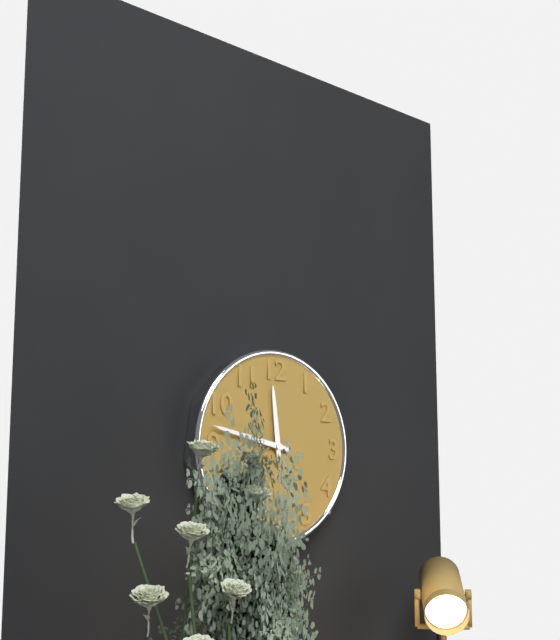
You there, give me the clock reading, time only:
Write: 11:47
